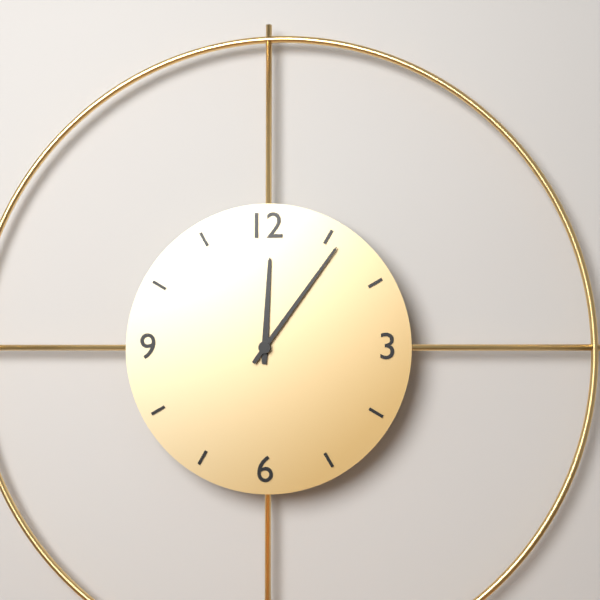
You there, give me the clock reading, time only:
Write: 12:06
